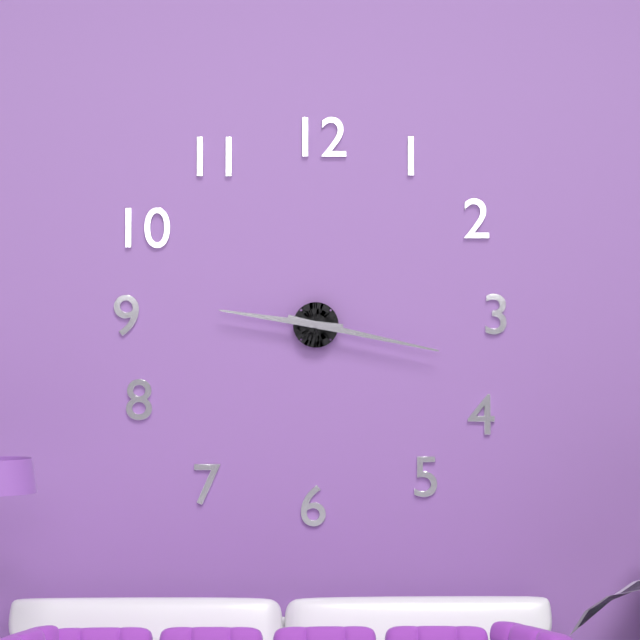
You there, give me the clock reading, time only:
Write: 9:17
